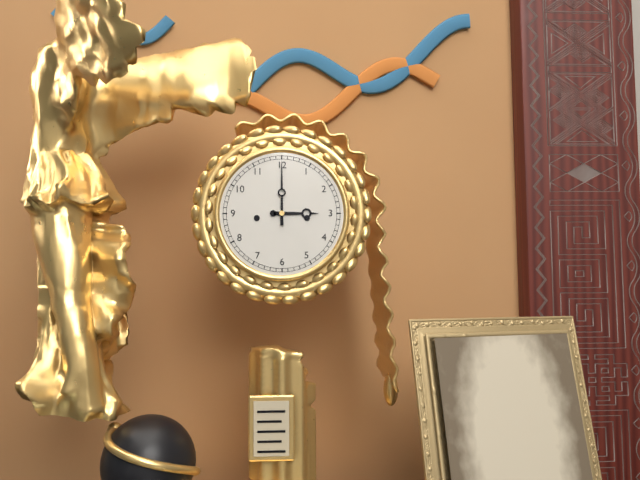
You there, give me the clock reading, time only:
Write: 3:00
